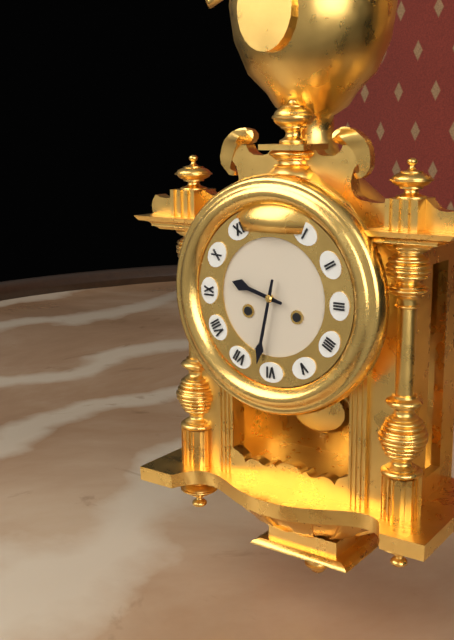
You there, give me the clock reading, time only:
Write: 9:32
